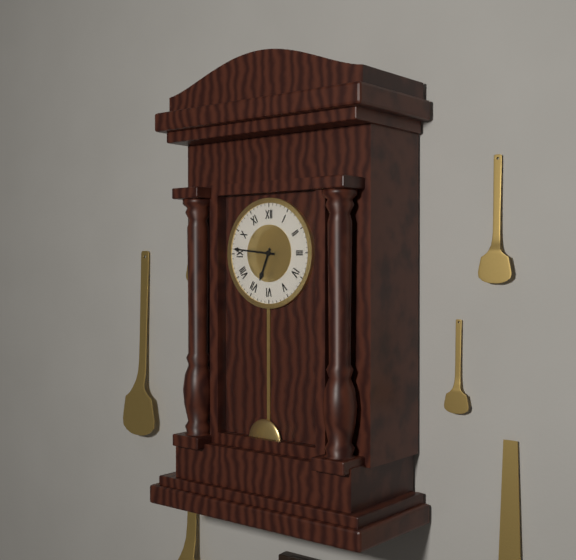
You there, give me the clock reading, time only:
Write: 6:46
